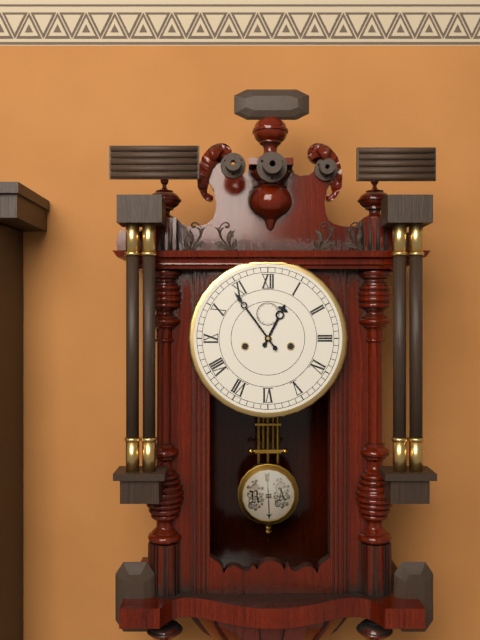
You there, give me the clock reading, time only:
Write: 12:54
